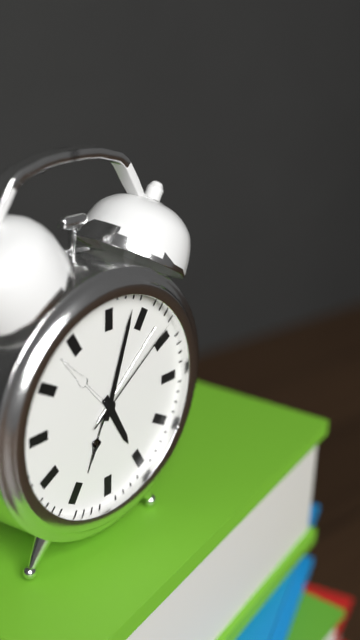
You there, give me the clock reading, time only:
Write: 5:03:09
